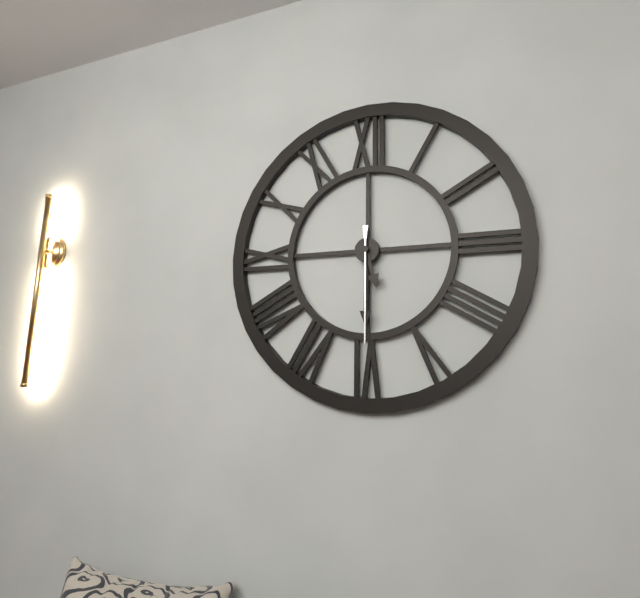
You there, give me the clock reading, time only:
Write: 5:30:30
